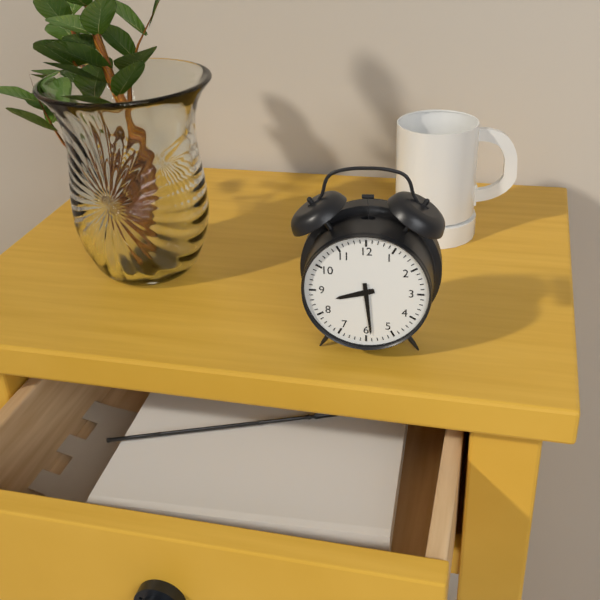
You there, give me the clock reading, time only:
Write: 8:29
